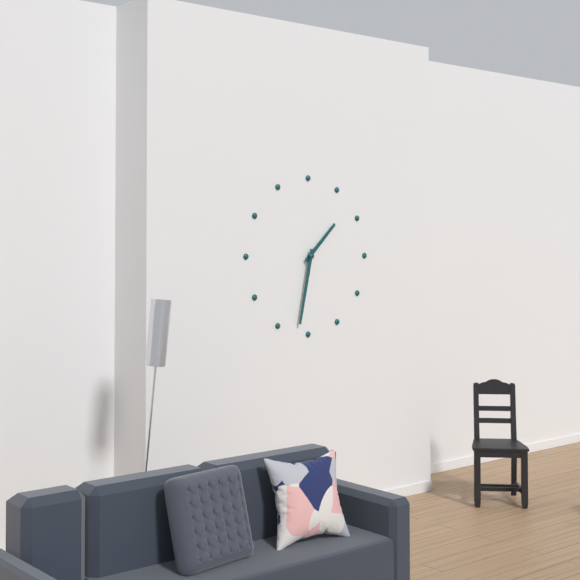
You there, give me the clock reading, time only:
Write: 1:32
